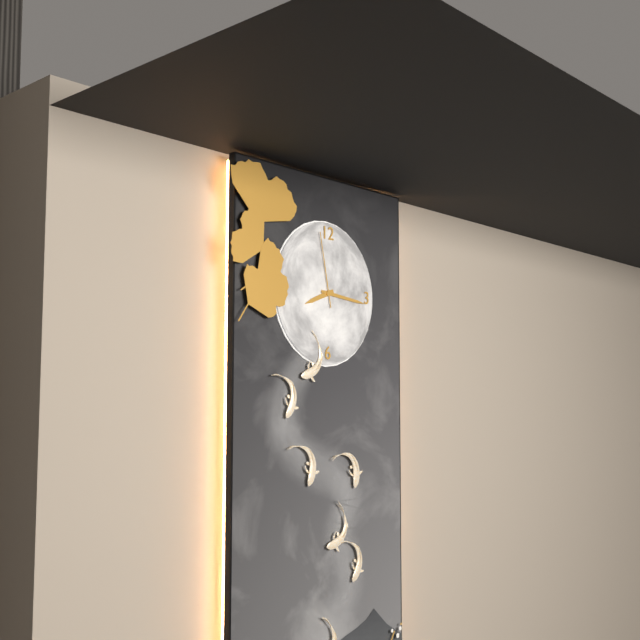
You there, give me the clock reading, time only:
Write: 8:16:58
